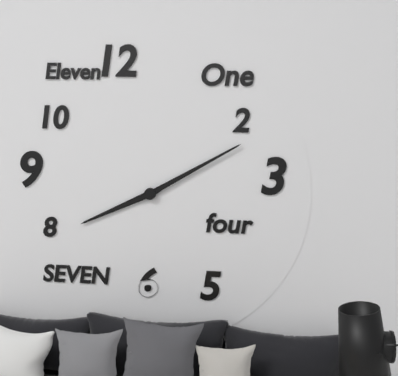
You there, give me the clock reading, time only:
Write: 8:10
